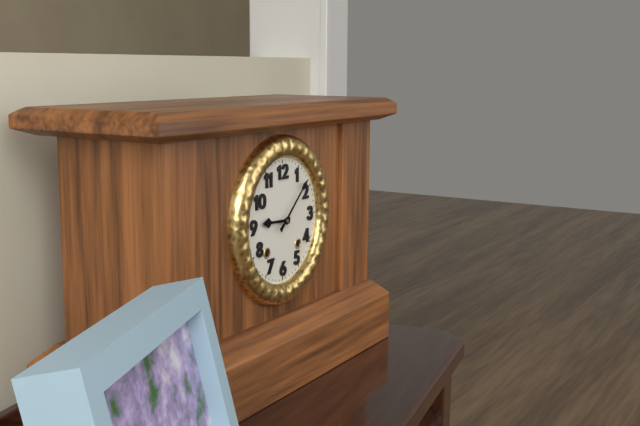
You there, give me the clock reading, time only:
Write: 9:08
